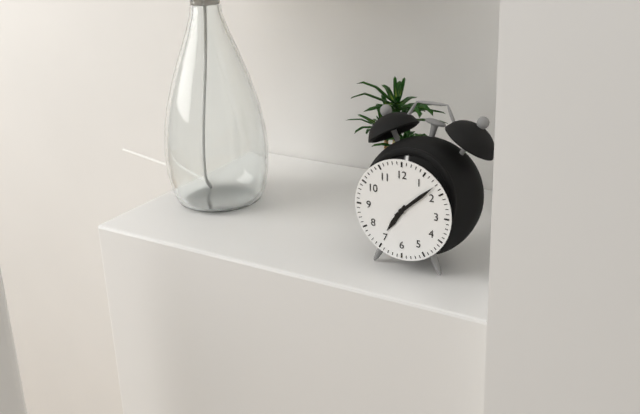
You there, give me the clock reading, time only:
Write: 7:08
